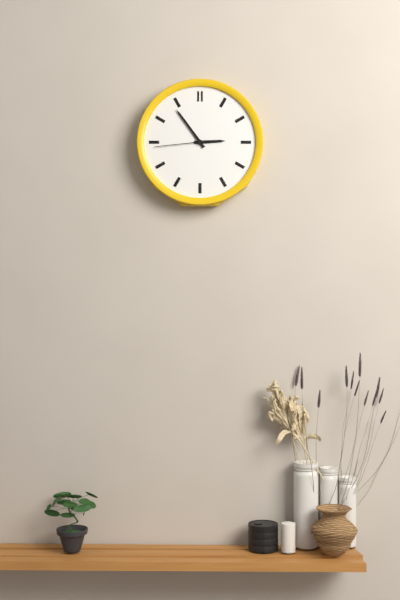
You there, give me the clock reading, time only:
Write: 2:54:44
